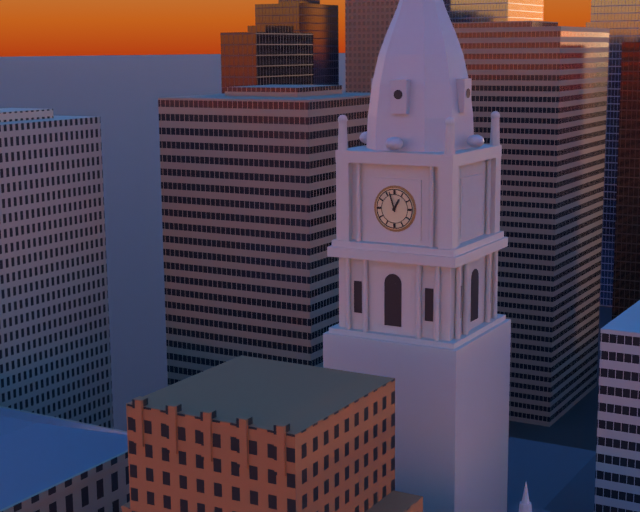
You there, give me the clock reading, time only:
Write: 12:57
